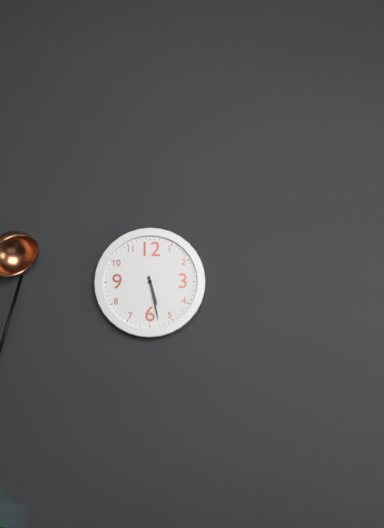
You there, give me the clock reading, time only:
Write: 5:28
